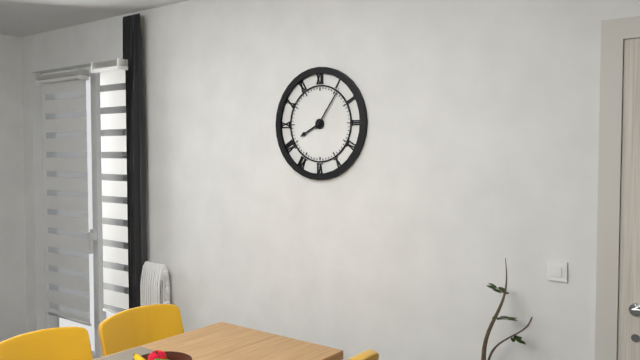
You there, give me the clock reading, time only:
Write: 8:06
